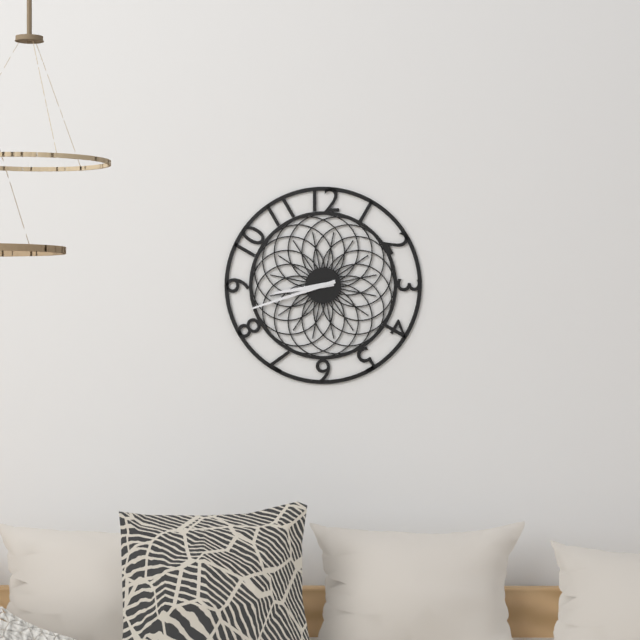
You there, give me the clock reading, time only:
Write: 8:42
